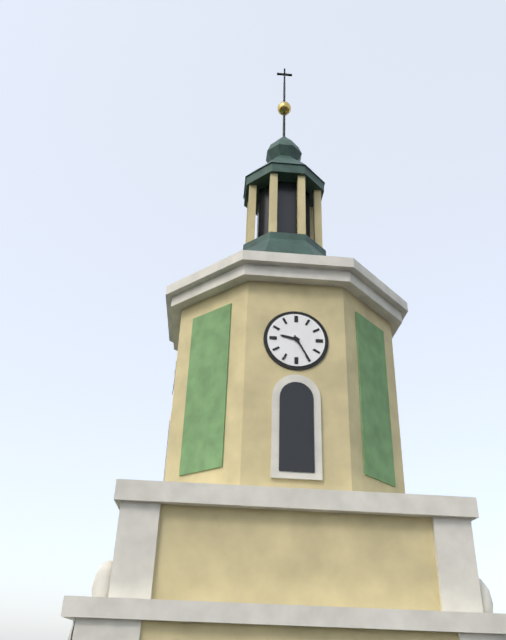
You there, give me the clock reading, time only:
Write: 9:25
